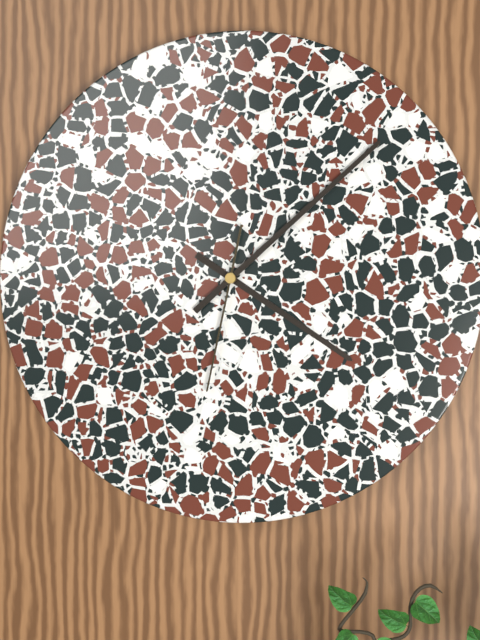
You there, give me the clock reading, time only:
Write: 4:08:32
